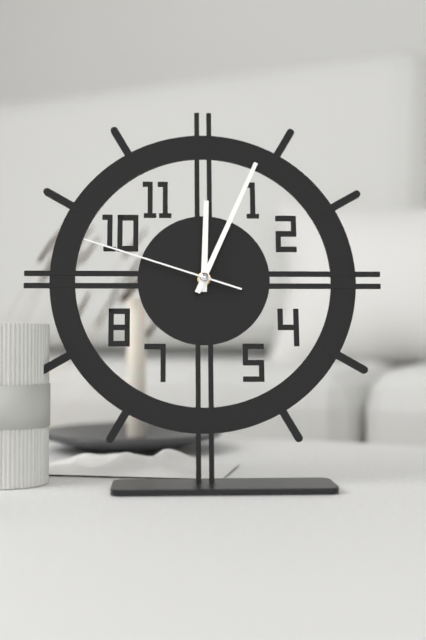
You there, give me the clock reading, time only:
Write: 12:04:48
